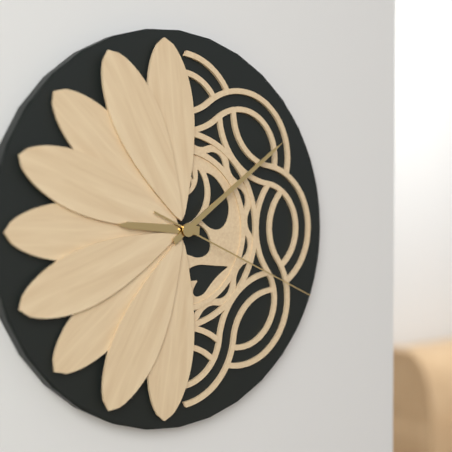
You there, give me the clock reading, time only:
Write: 9:09:19
